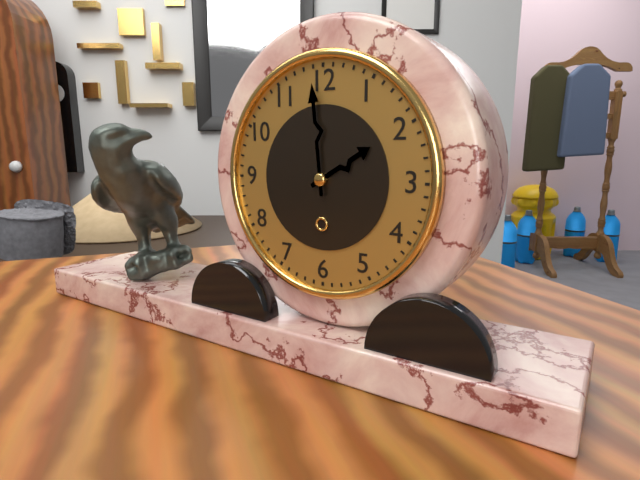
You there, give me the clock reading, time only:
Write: 1:59
